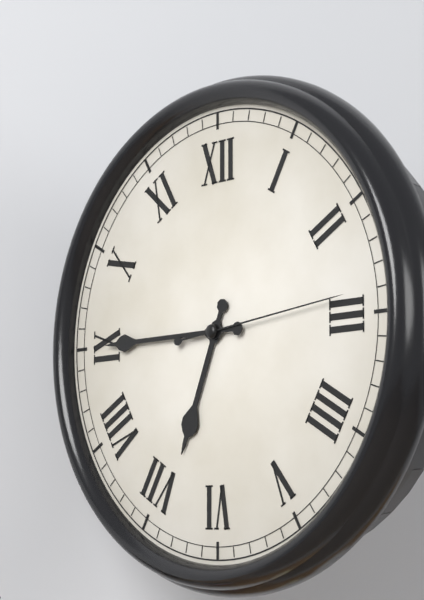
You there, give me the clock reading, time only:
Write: 6:45:14
